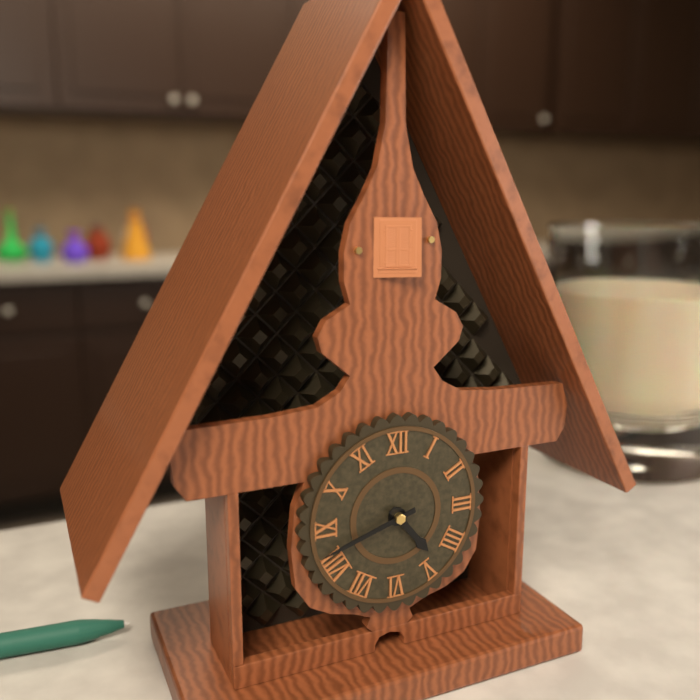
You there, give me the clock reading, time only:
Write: 4:42
